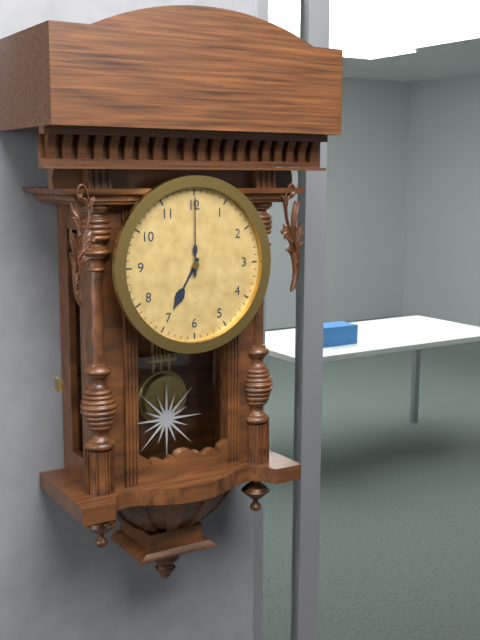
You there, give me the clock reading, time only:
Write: 7:00
